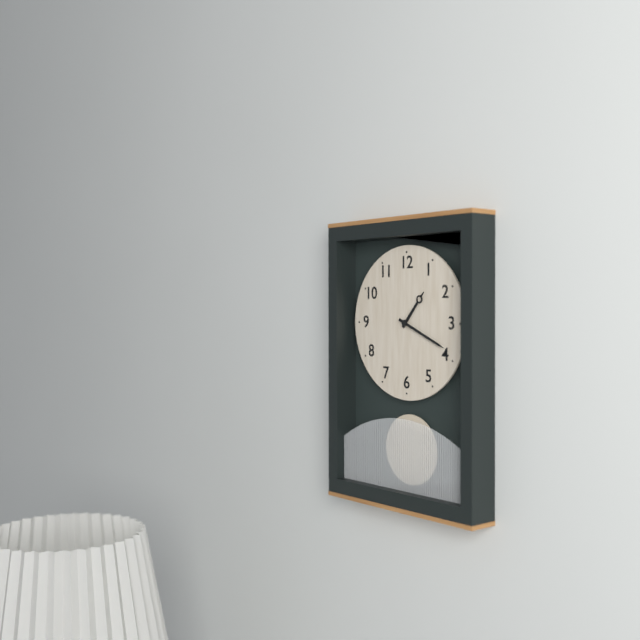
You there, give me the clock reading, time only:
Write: 1:19
